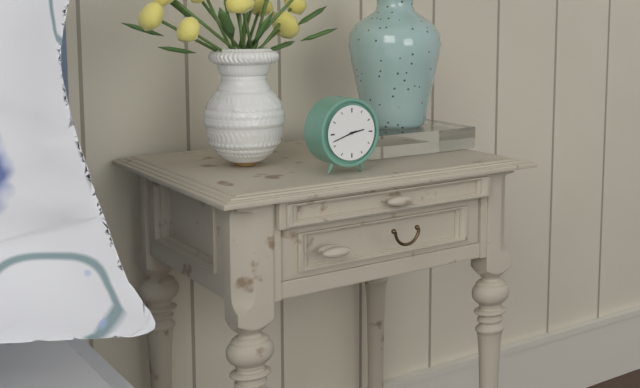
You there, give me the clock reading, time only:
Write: 2:42
